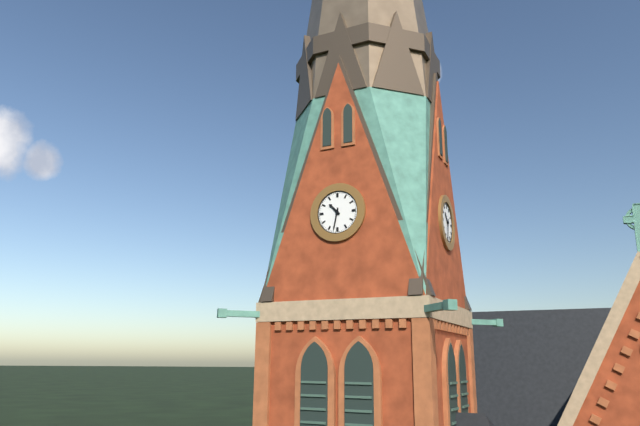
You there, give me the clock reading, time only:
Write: 10:32
